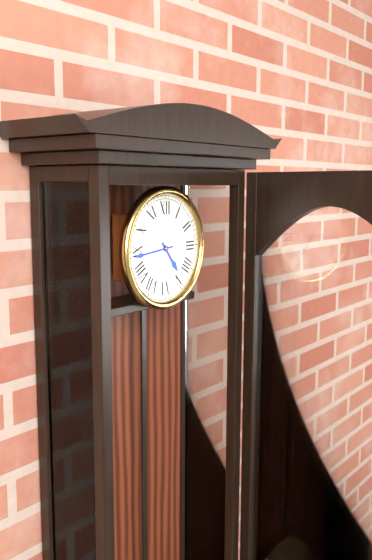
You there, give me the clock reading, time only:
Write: 4:44
